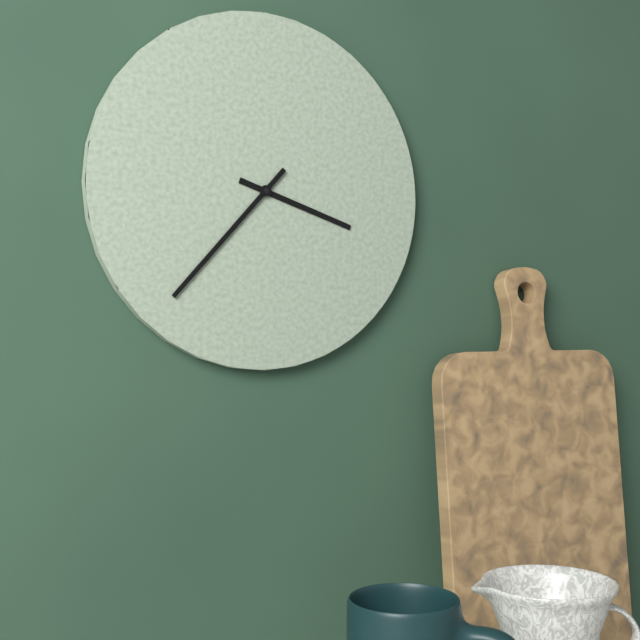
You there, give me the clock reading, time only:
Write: 3:37
